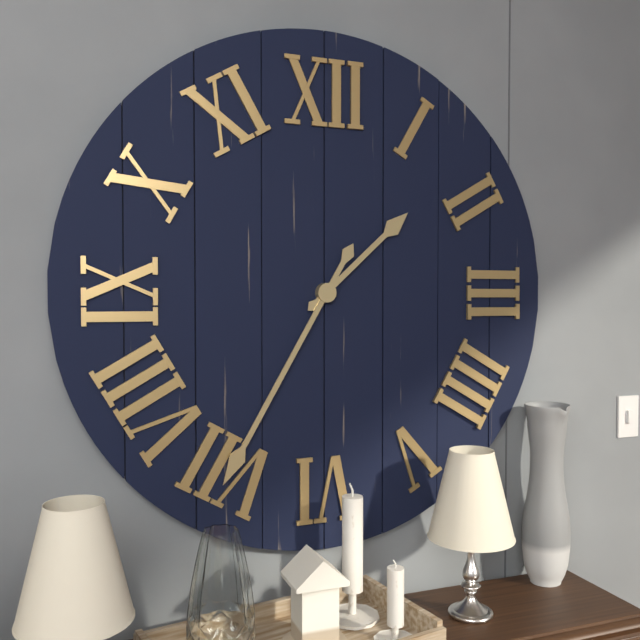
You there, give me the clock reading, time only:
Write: 1:35
